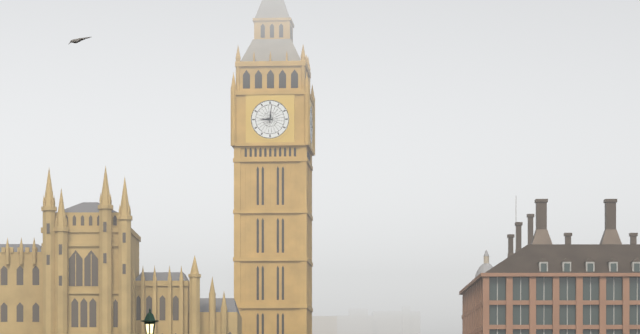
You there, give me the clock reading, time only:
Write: 9:01
